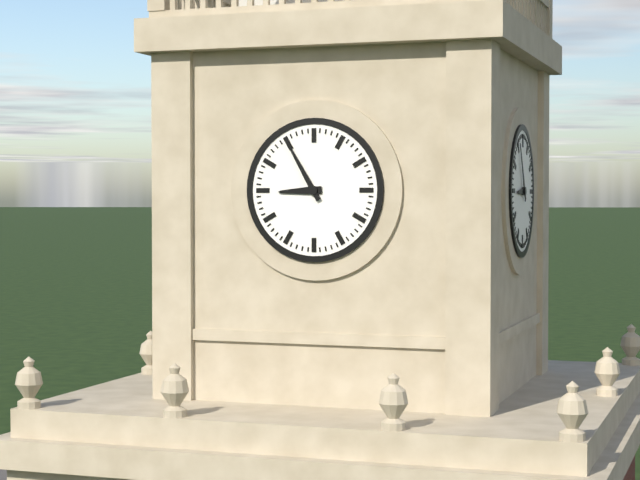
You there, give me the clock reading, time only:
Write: 8:55
